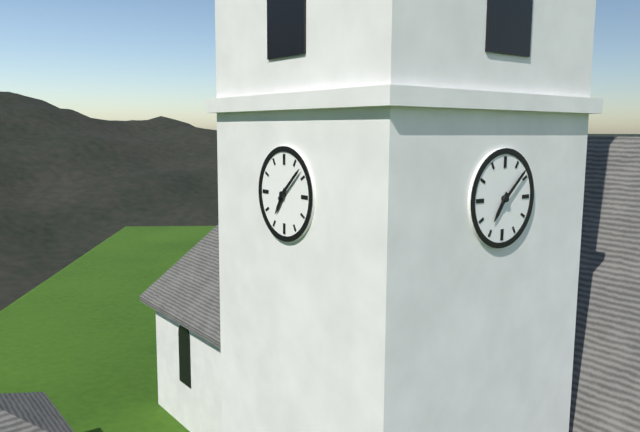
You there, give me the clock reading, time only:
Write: 7:08
